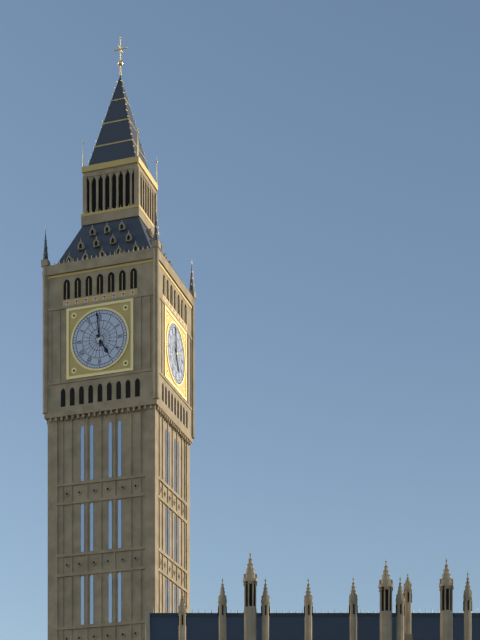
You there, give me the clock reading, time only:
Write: 4:59
